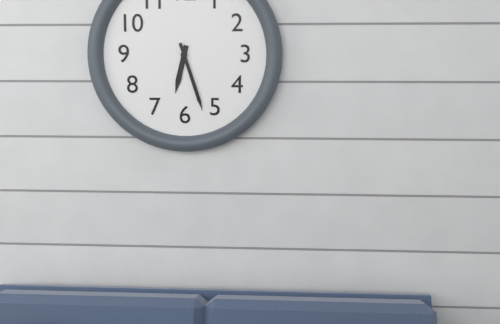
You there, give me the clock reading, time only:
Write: 6:27
